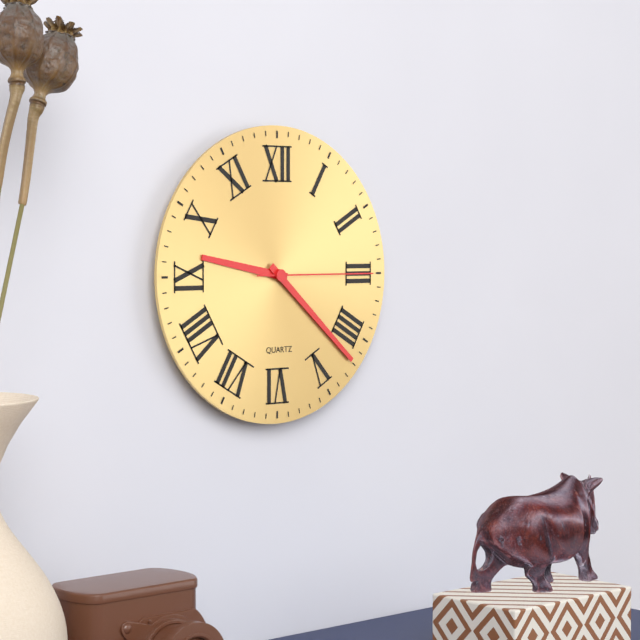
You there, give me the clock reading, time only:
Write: 9:22:15
